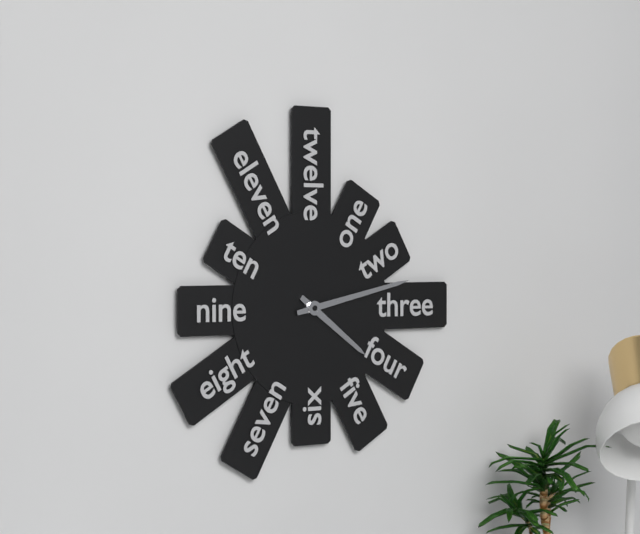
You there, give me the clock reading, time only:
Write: 4:13
